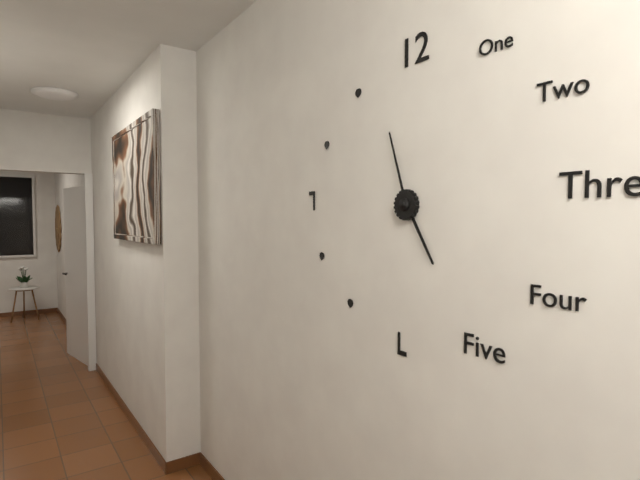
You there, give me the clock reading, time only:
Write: 4:57
